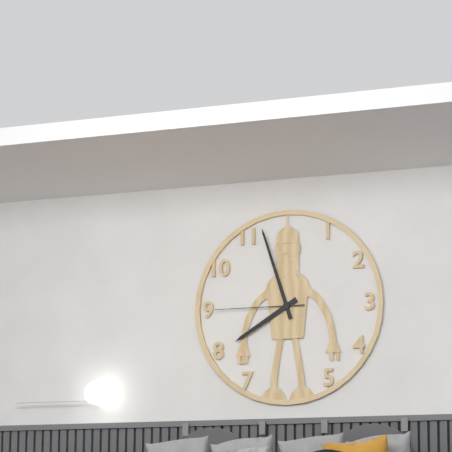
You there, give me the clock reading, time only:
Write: 7:57:45
